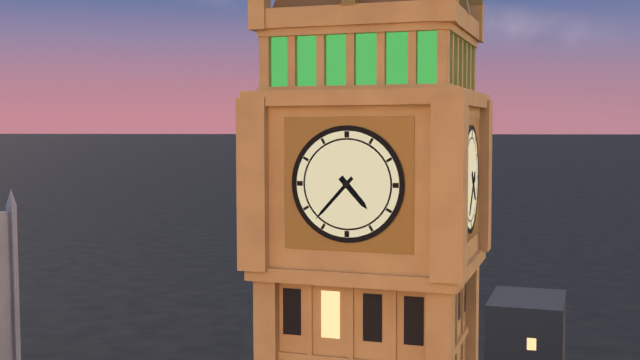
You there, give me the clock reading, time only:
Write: 4:37
